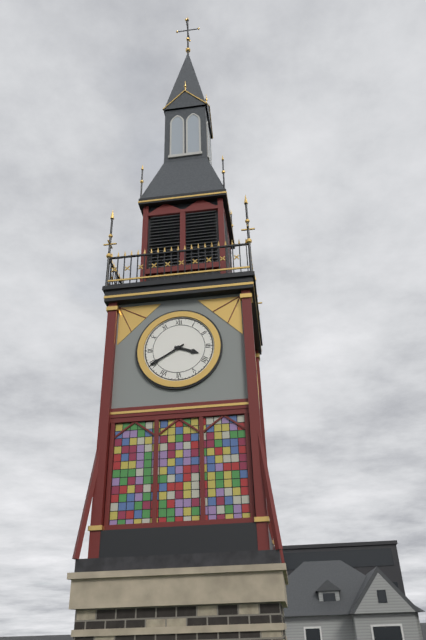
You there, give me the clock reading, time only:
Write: 3:40
